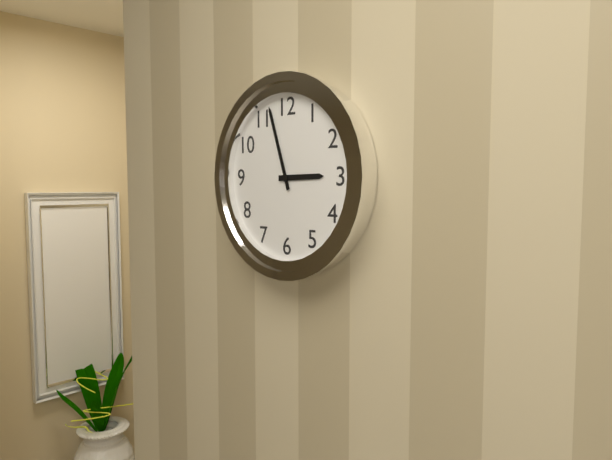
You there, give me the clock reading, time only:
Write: 2:57
